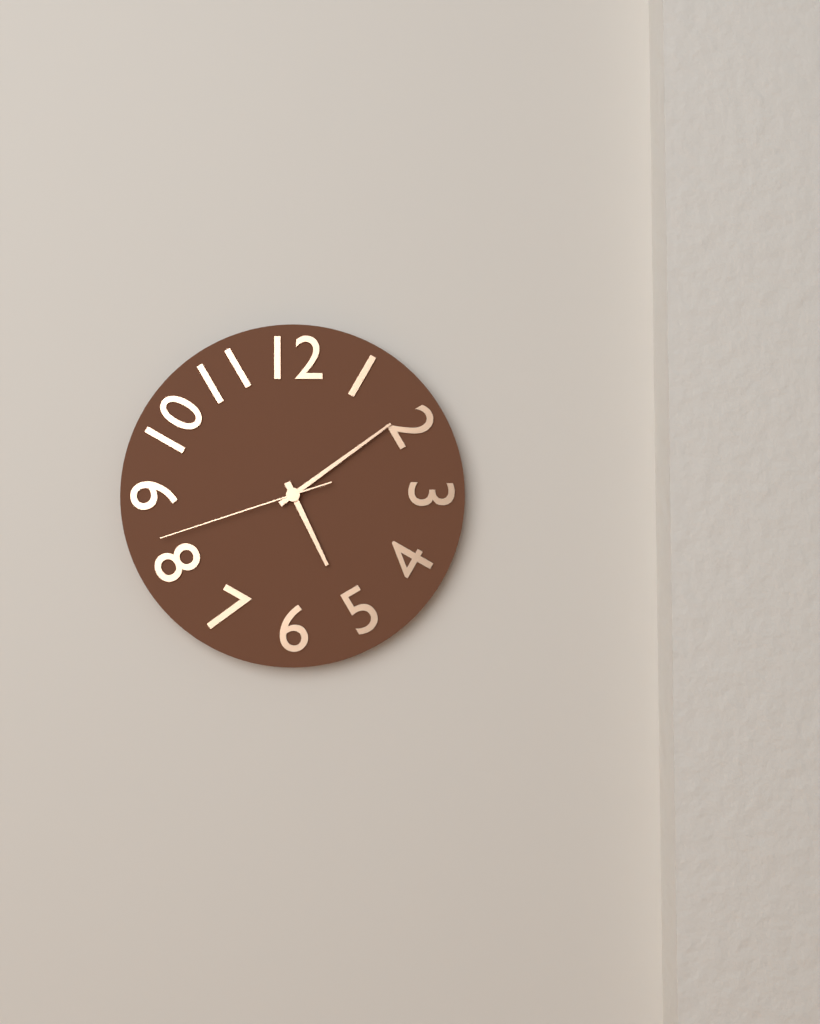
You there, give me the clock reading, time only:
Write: 5:09:42
